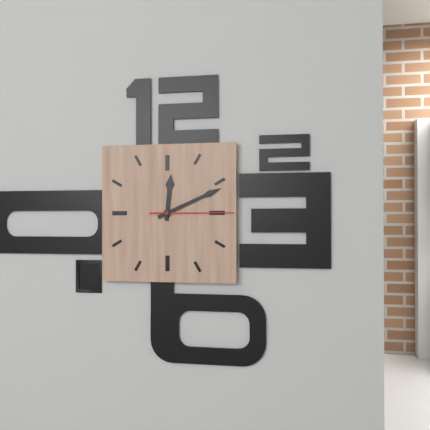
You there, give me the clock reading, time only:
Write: 12:11:15
